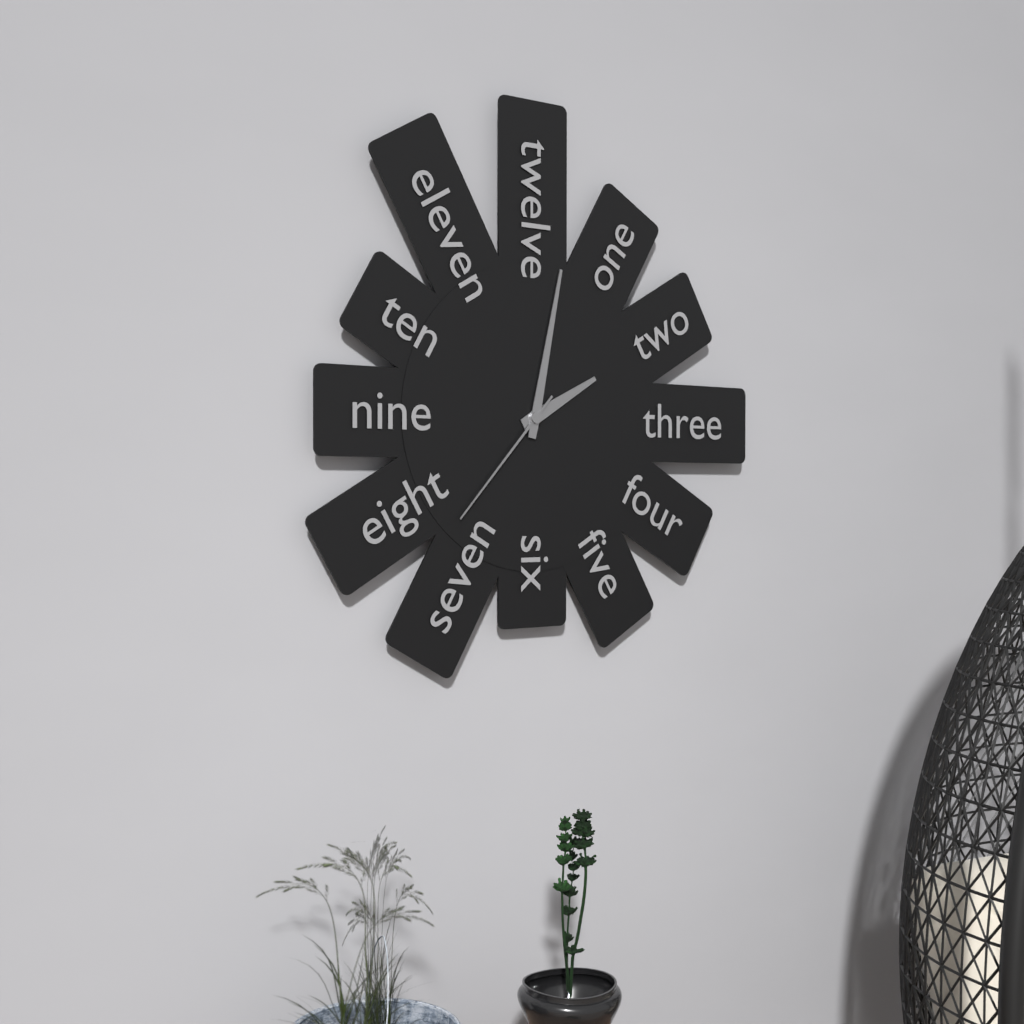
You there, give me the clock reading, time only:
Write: 2:02:37
